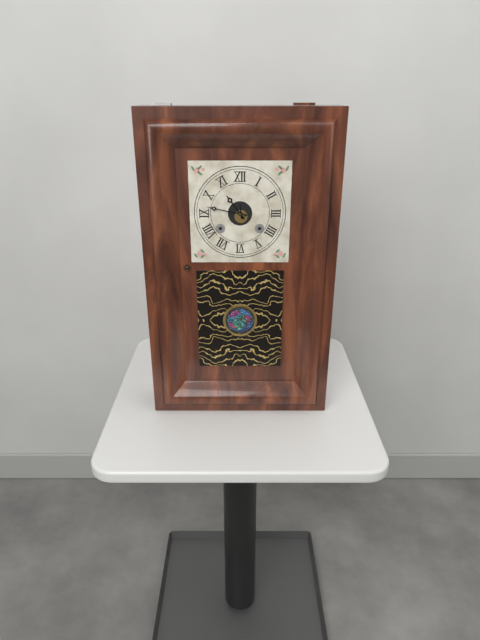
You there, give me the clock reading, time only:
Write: 10:47
